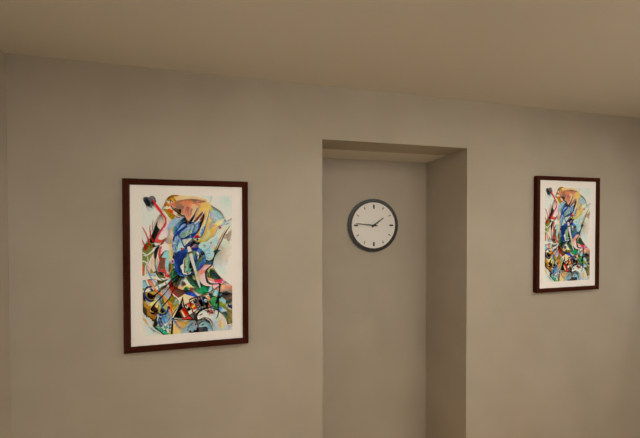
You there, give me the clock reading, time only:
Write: 1:46
